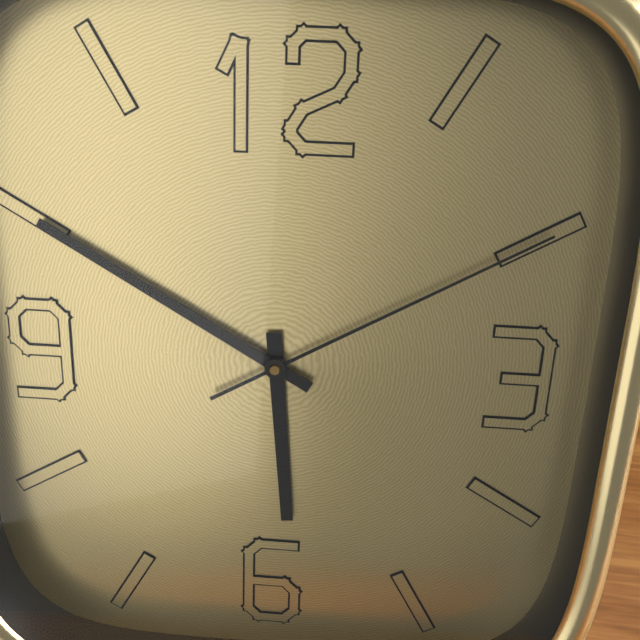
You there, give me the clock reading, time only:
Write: 5:50:10
